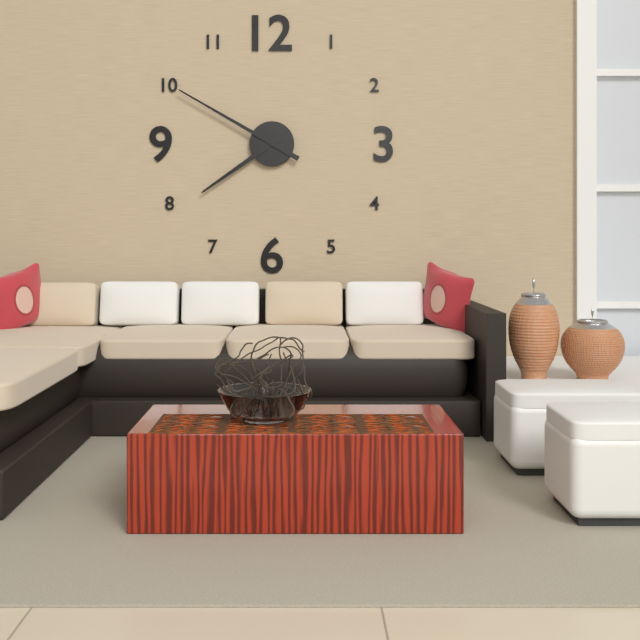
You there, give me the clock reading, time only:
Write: 7:50
